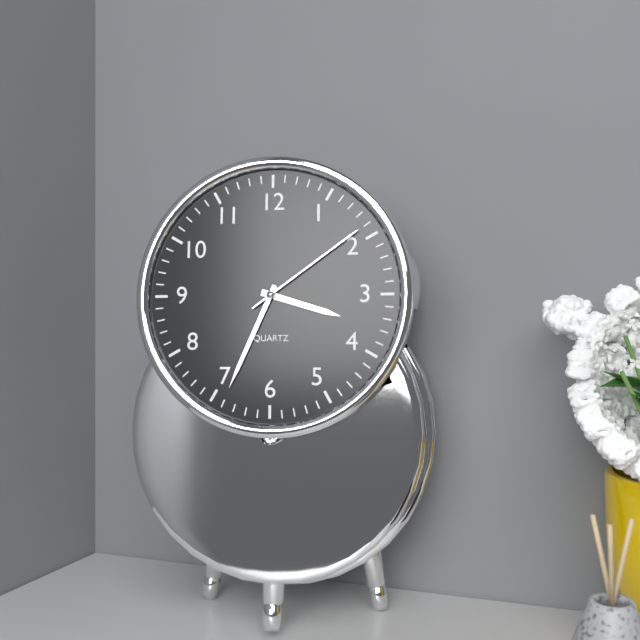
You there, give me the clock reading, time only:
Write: 3:34:09
